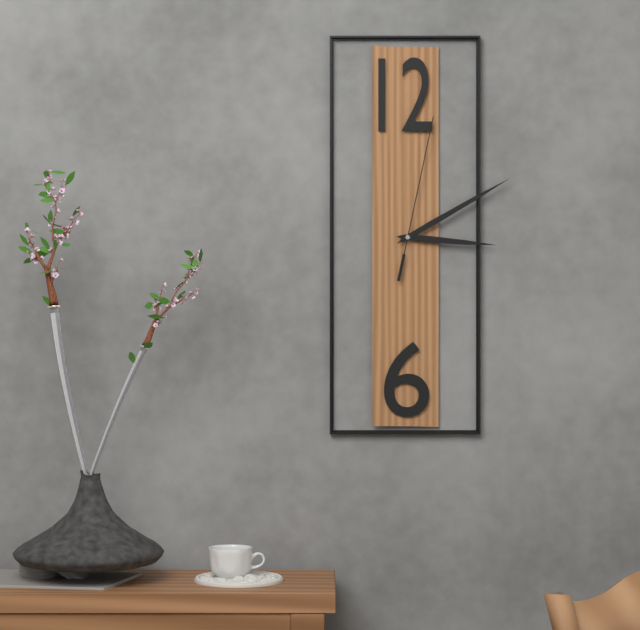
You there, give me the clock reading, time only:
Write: 3:10:02
